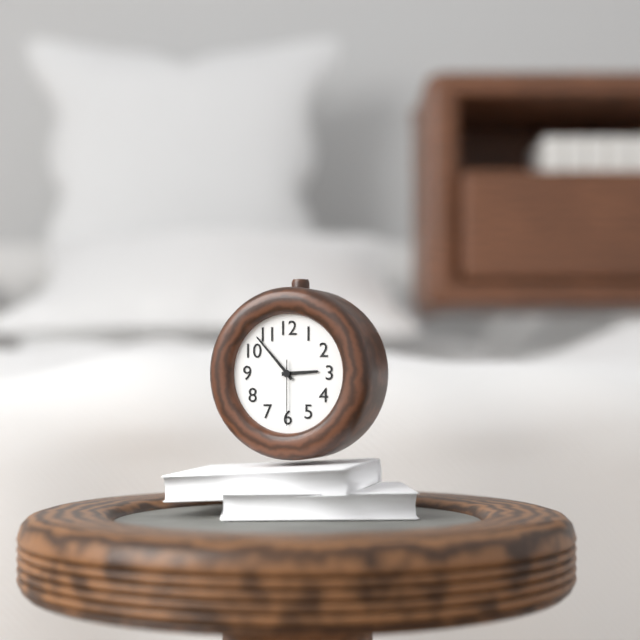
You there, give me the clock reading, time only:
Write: 2:53:30
